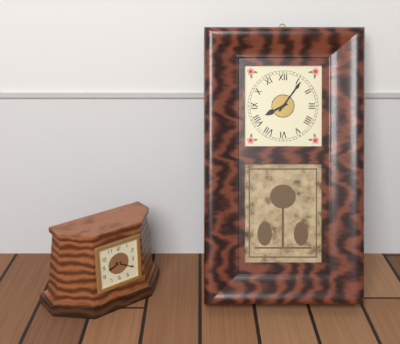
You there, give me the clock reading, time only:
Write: 8:06
